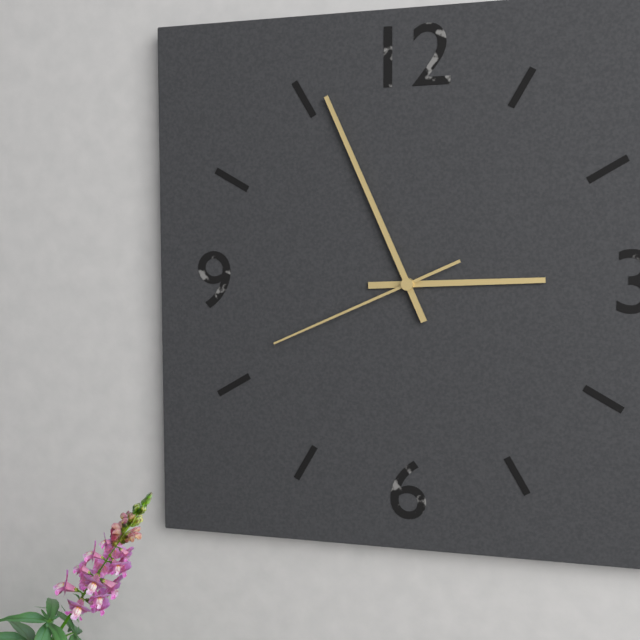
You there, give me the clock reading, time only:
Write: 2:56:41
